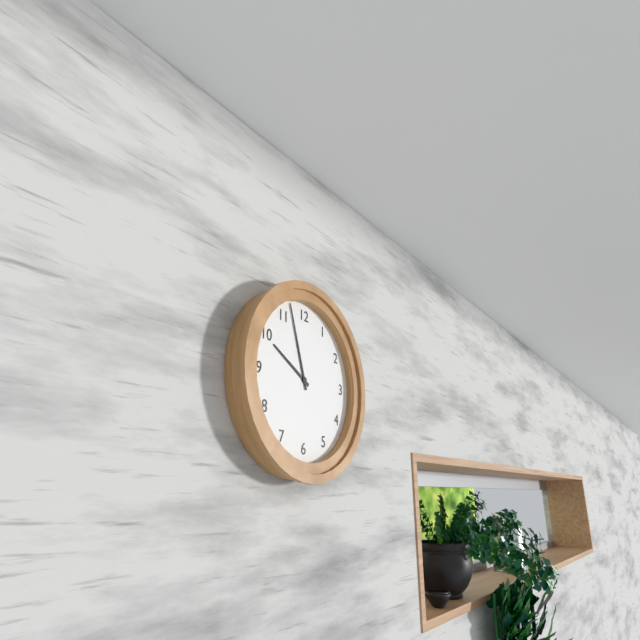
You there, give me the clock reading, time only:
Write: 9:57
